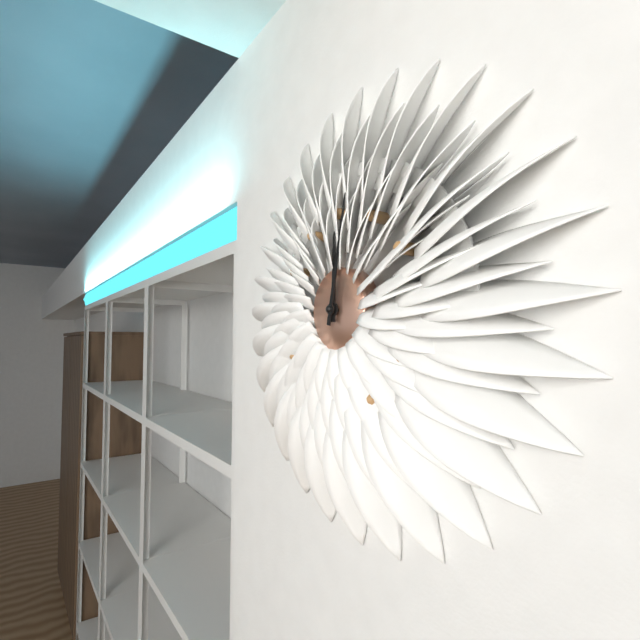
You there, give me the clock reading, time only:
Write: 12:02
